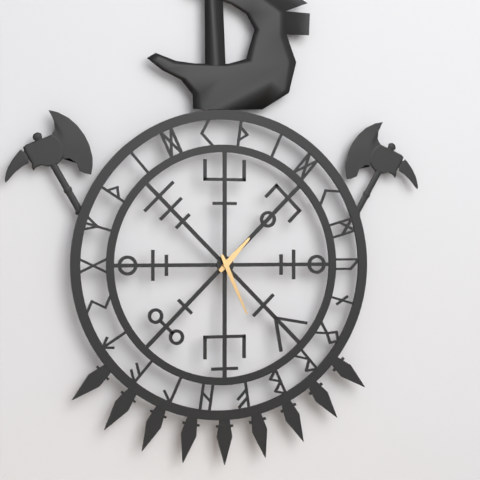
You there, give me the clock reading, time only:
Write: 1:26
